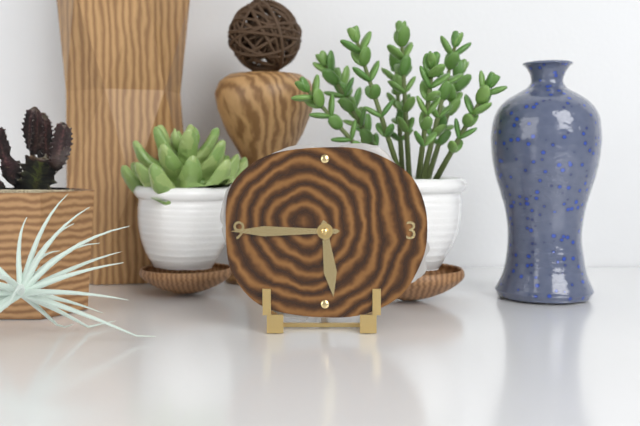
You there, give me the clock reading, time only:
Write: 5:45
